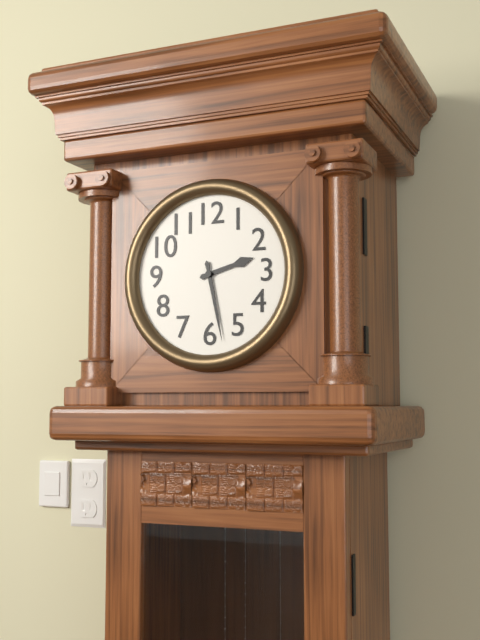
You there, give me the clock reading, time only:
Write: 2:28
